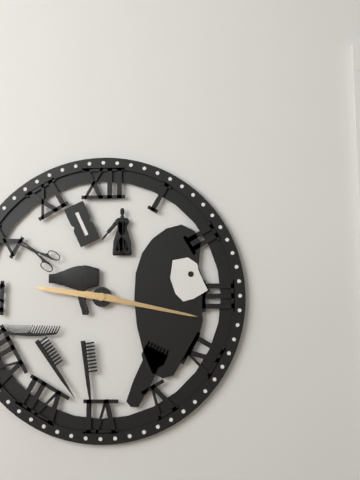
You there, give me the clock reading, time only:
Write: 9:17
